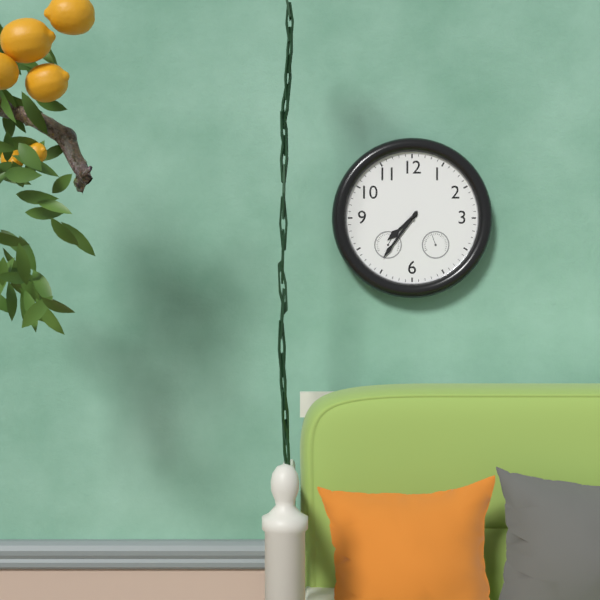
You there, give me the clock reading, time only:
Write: 7:36
